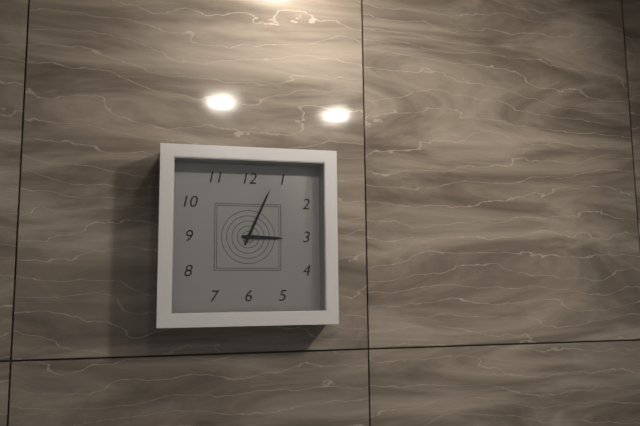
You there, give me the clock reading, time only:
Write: 3:04
